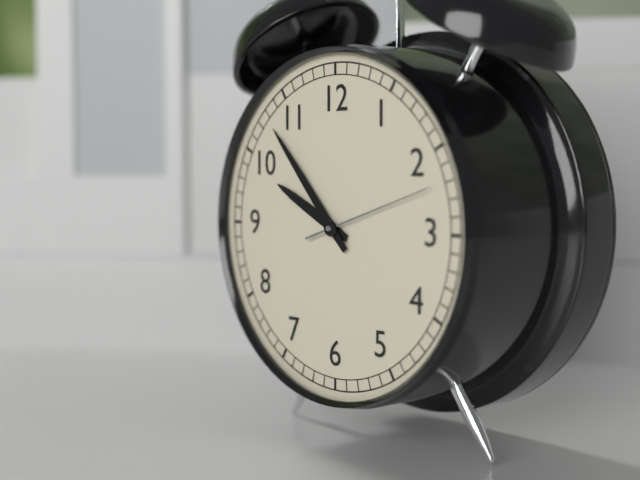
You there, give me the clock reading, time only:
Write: 9:53:12
